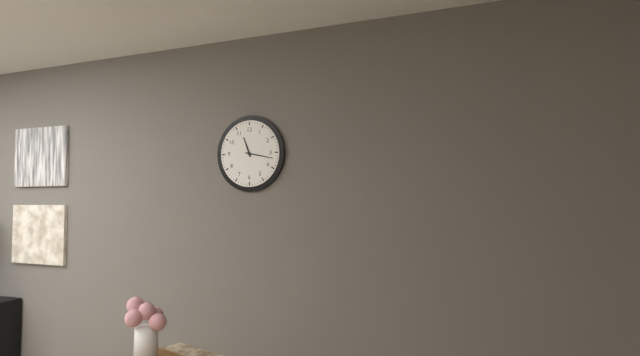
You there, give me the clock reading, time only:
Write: 11:17
